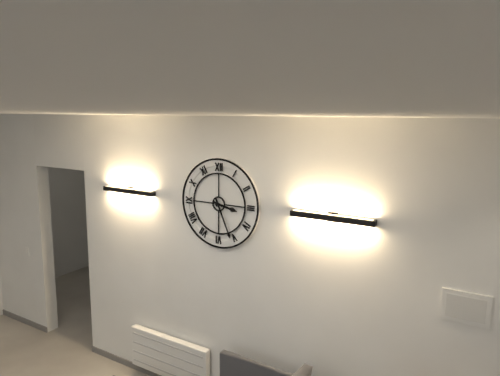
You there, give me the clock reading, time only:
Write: 3:26
